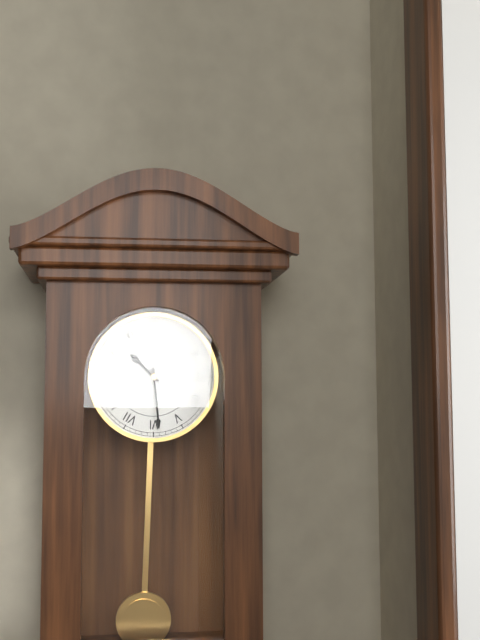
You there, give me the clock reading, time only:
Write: 10:29
